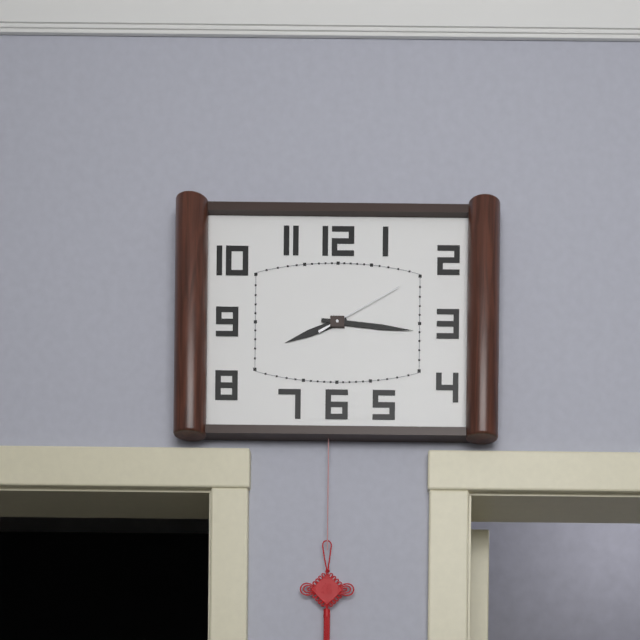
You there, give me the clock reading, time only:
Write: 8:16:10
